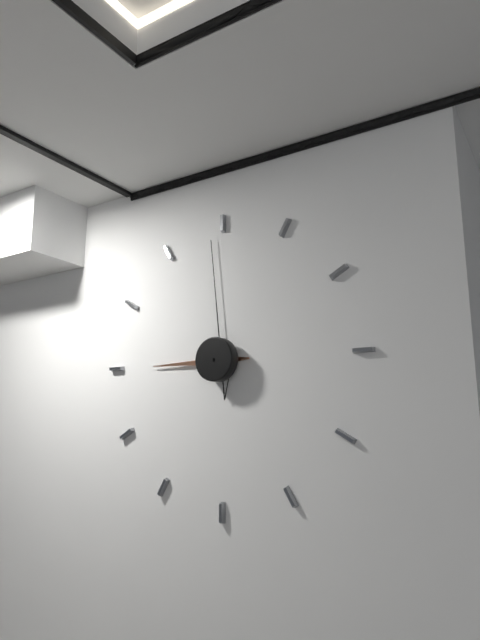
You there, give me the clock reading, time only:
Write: 8:59
